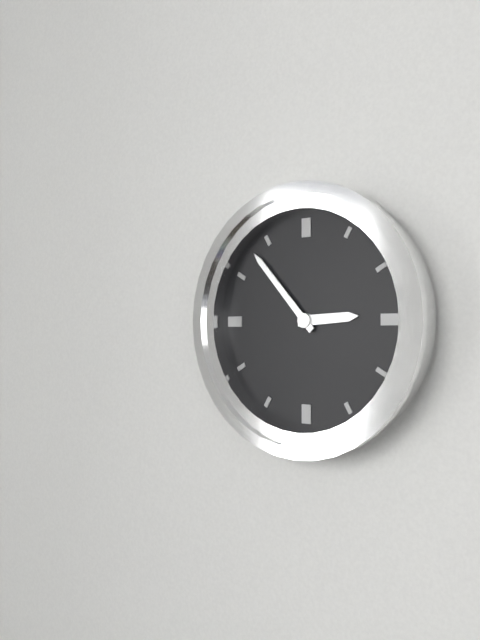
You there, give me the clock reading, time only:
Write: 2:53
